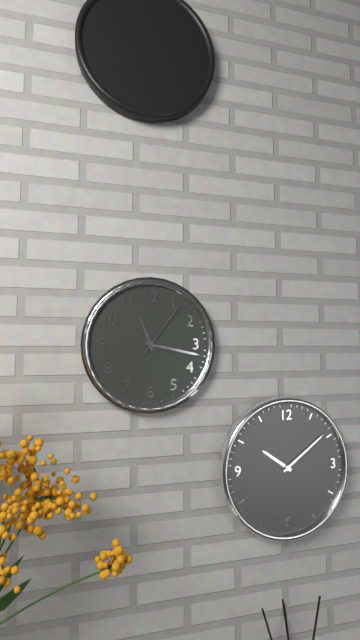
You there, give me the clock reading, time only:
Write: 11:17:06
